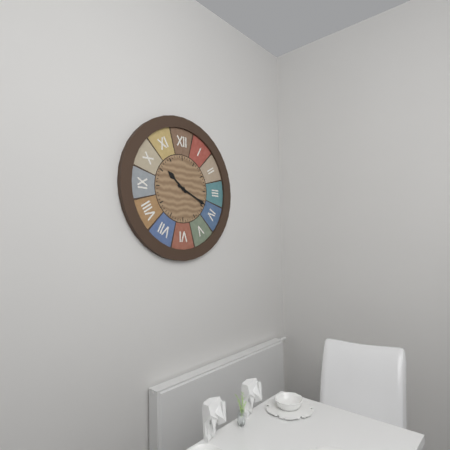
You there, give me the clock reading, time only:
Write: 10:19
